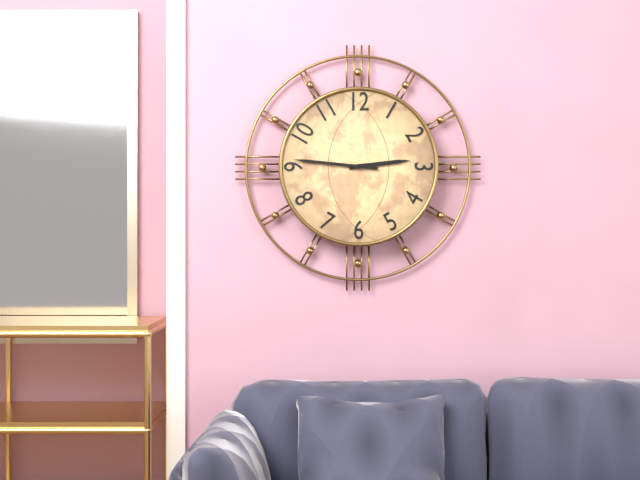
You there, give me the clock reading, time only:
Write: 2:46
